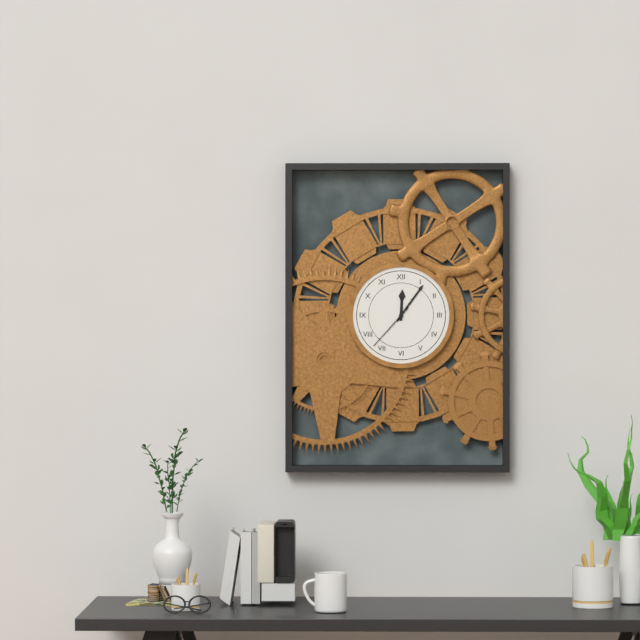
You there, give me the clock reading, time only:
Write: 12:06:37
